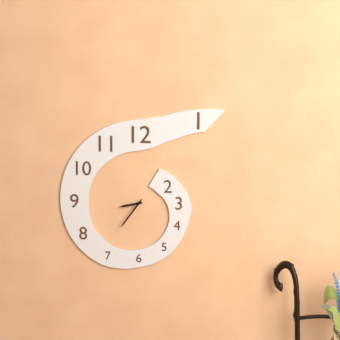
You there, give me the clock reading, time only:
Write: 8:36
